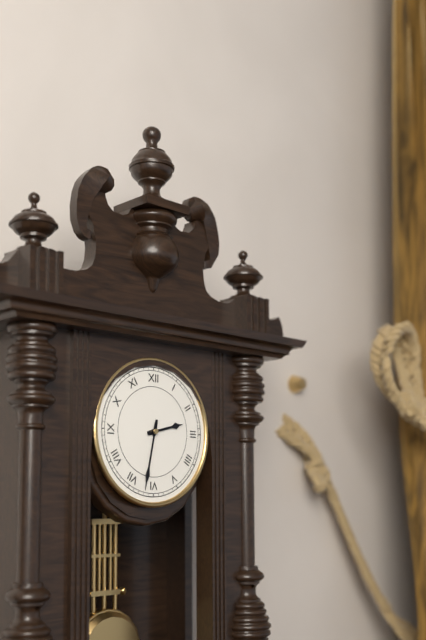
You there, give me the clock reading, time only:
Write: 2:32
